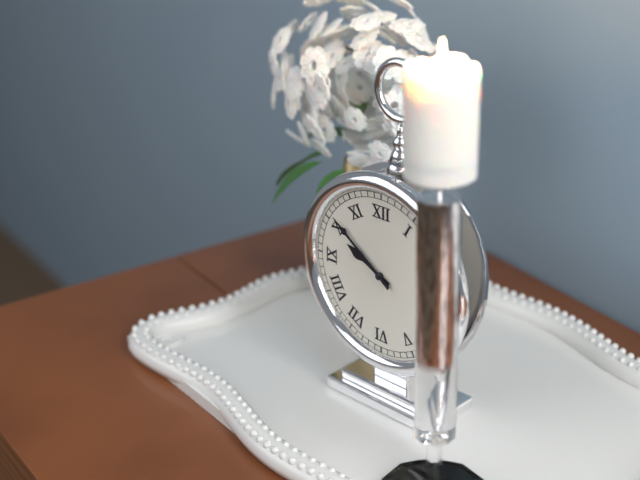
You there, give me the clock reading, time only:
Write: 9:51
